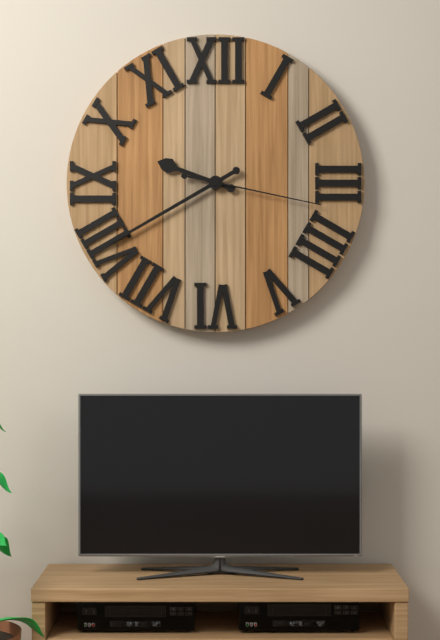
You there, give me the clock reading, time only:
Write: 9:40:17
